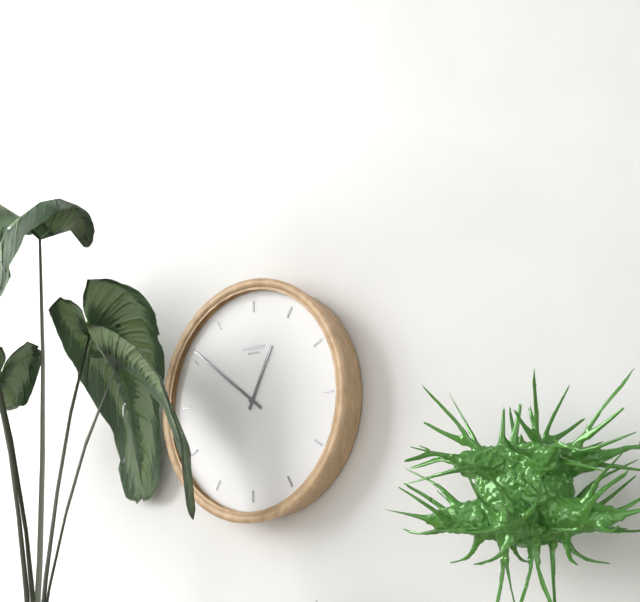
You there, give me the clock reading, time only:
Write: 12:51
